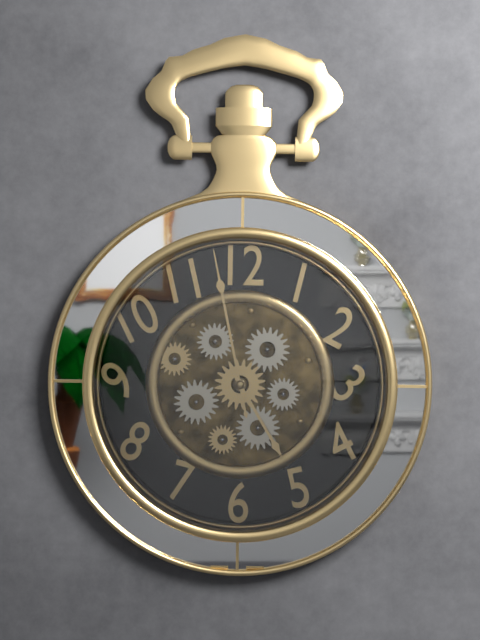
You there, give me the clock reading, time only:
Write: 4:58
